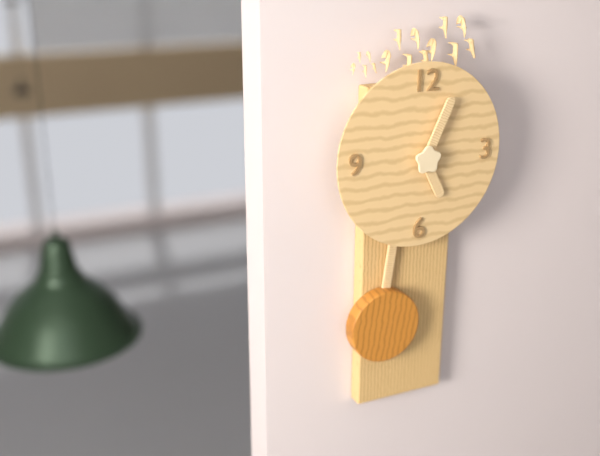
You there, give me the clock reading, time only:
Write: 5:04
